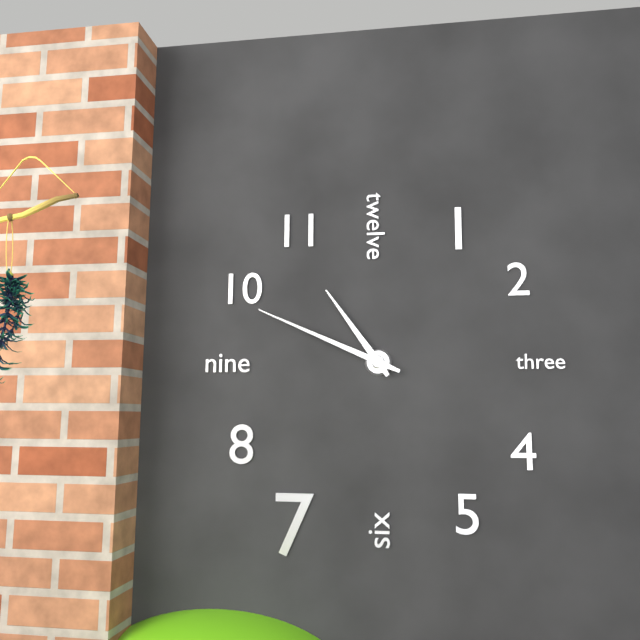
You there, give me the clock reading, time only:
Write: 10:49
